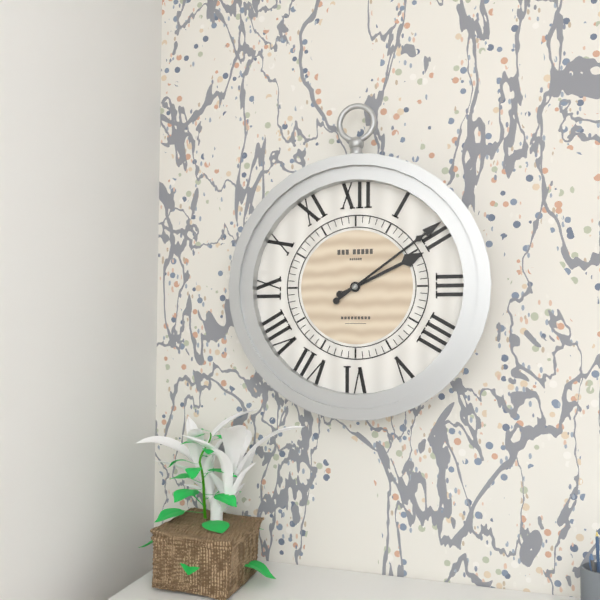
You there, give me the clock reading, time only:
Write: 2:09
